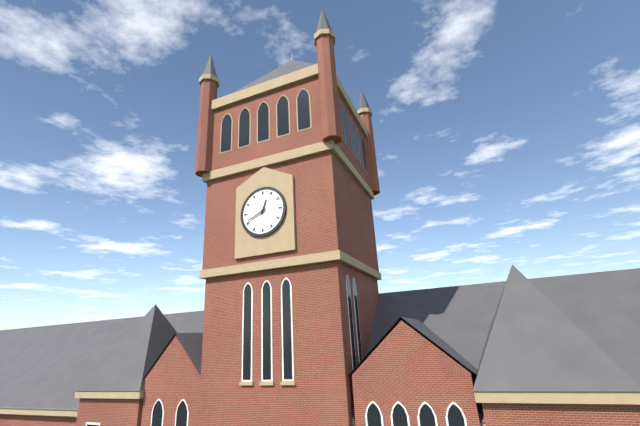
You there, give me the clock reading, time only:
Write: 12:41
